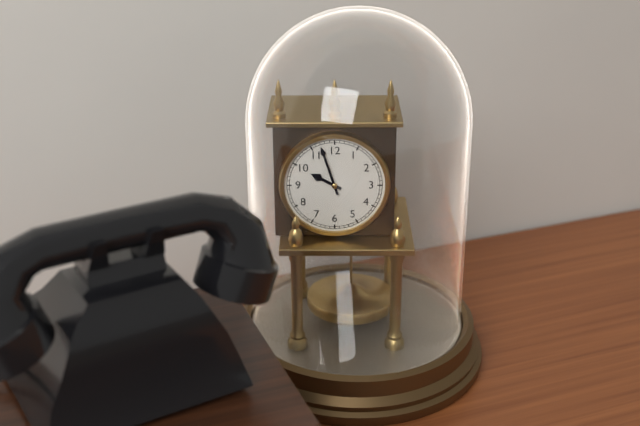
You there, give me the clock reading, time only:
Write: 9:57
